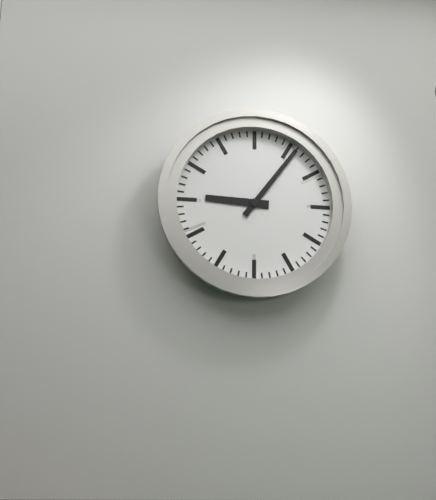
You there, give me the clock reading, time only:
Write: 9:06
